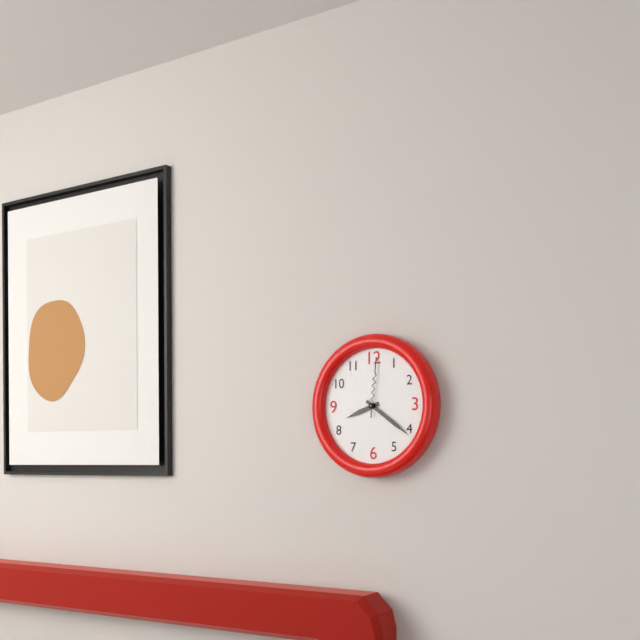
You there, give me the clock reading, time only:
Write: 8:21:01
